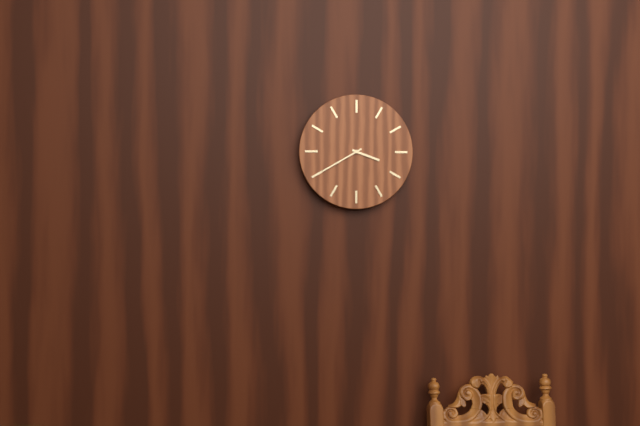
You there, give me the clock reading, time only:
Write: 3:40
